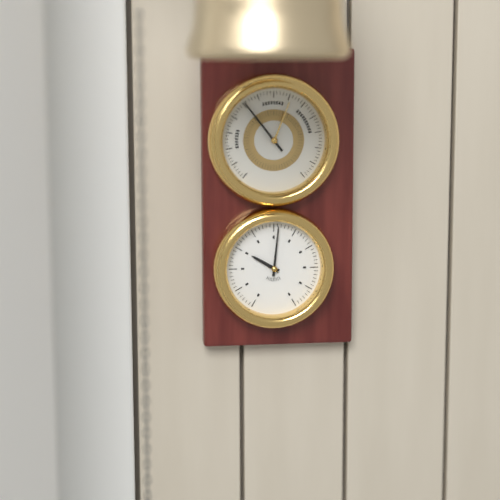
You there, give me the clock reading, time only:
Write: 10:01
